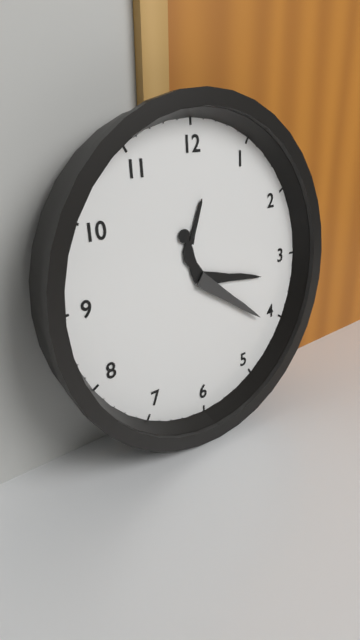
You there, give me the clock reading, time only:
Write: 3:21
